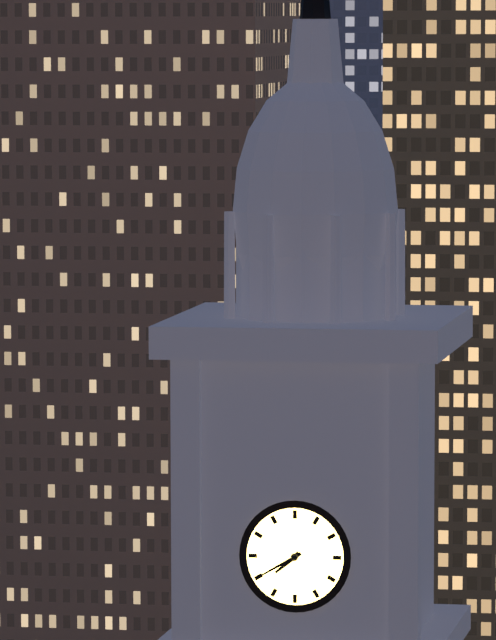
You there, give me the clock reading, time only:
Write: 7:40
